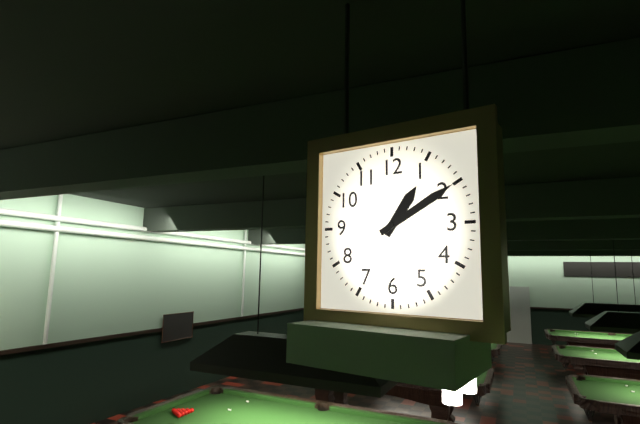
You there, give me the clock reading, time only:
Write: 1:10
